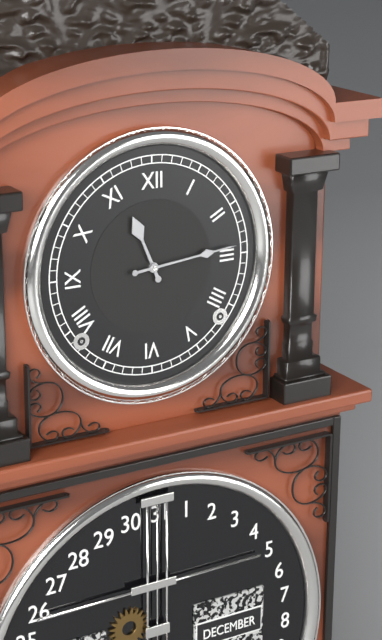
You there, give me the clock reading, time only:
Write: 11:14
